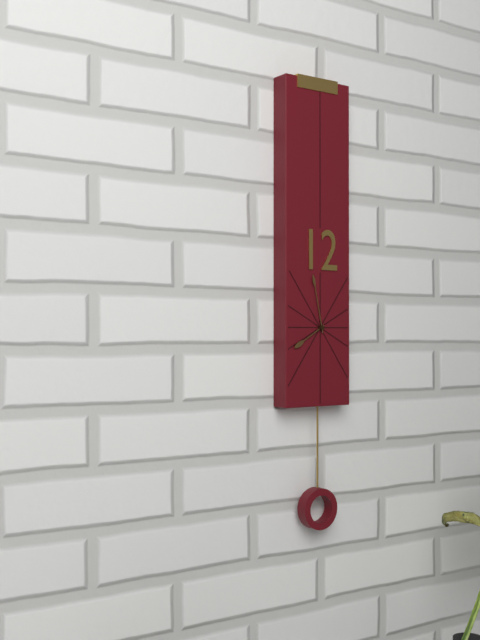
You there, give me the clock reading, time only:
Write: 7:58
